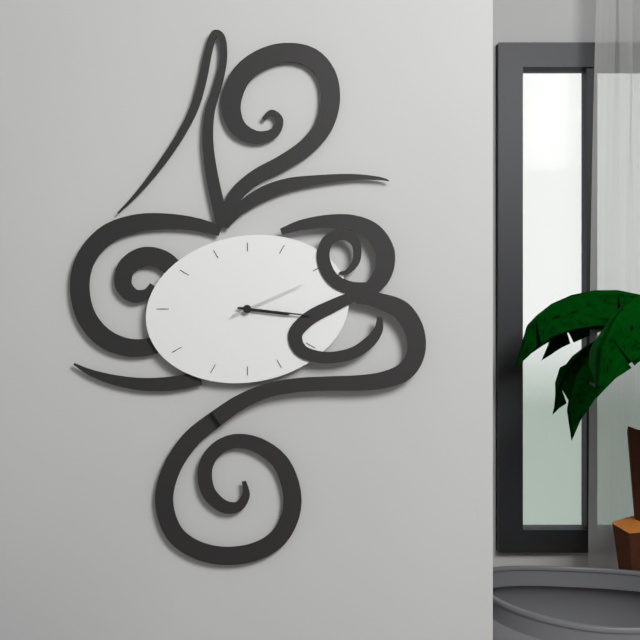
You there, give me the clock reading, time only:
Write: 3:16:11
